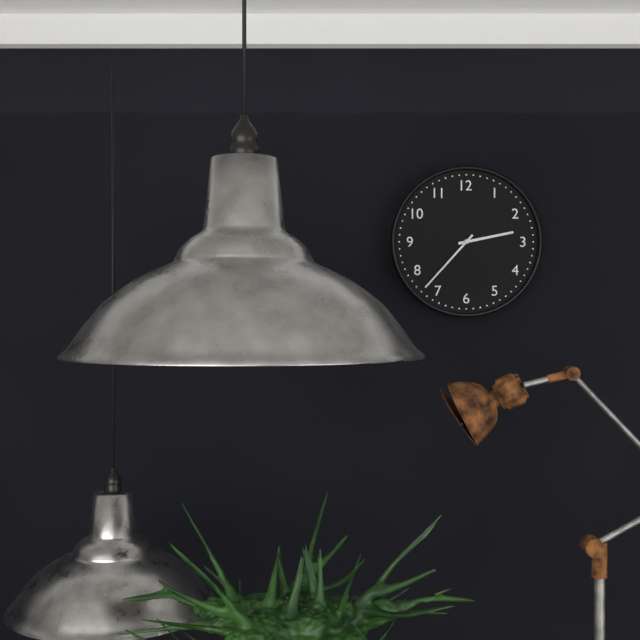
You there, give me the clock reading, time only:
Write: 2:37
